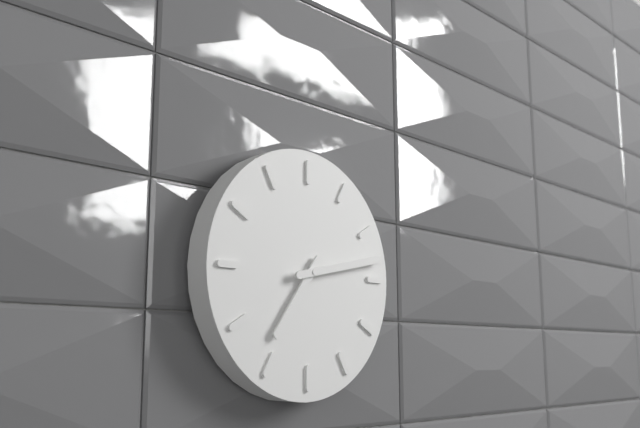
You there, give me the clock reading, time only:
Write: 7:13
